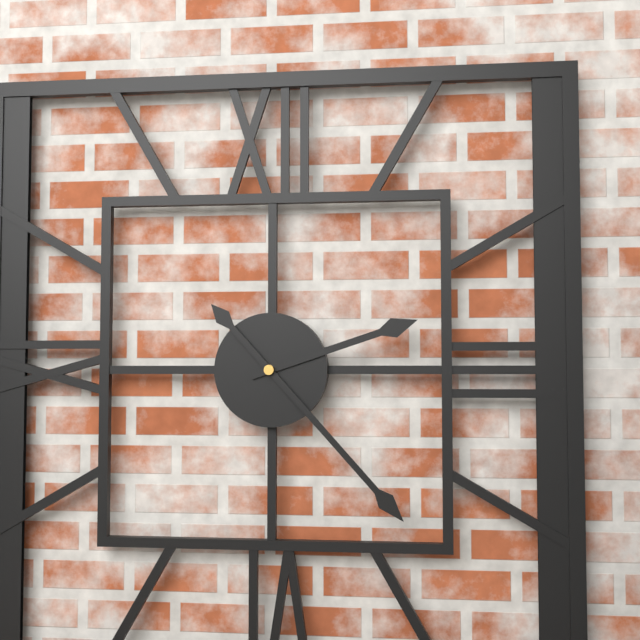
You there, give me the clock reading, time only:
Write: 2:23
